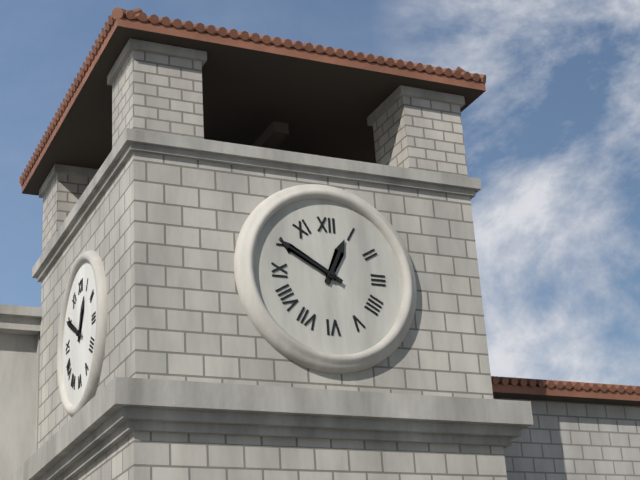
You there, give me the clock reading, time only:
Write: 12:50
